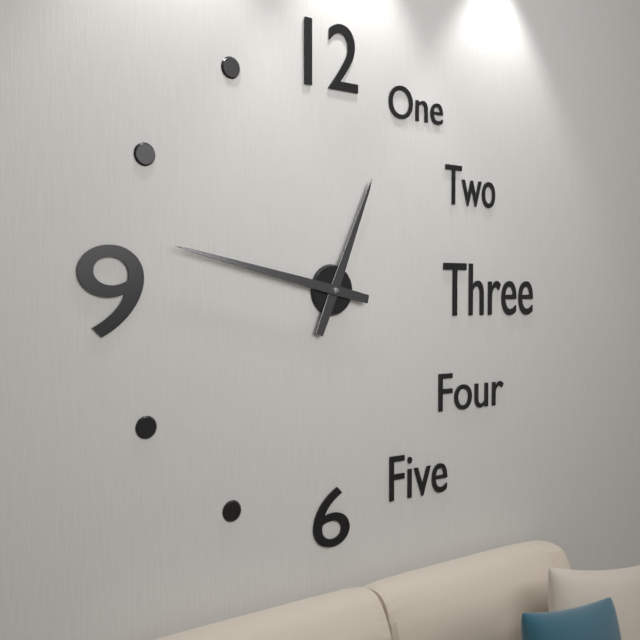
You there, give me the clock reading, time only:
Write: 12:47
